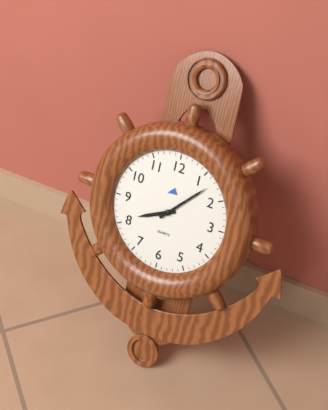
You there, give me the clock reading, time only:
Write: 8:07
